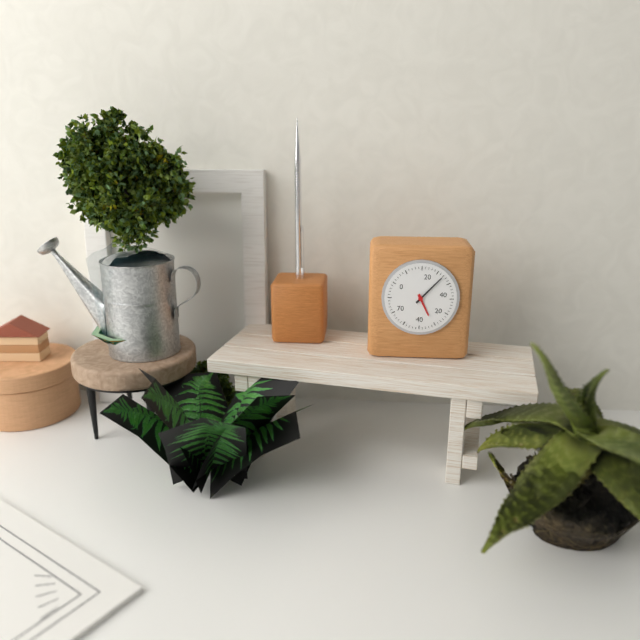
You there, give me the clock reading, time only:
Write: 5:07
